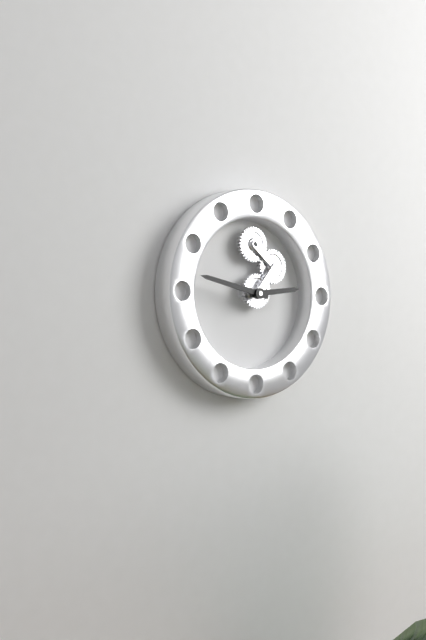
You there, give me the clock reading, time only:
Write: 2:47
